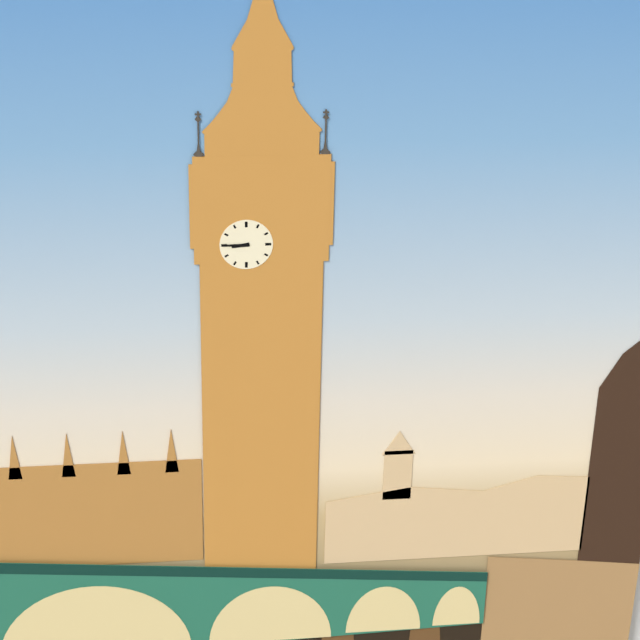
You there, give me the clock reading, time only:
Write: 8:45
